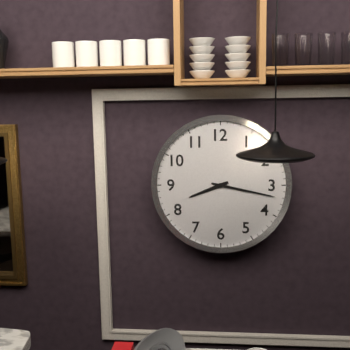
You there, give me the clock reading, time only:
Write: 8:17
